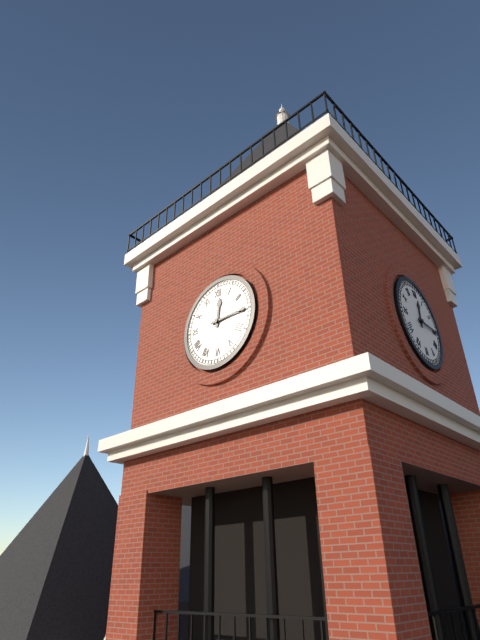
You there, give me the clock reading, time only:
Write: 12:15
